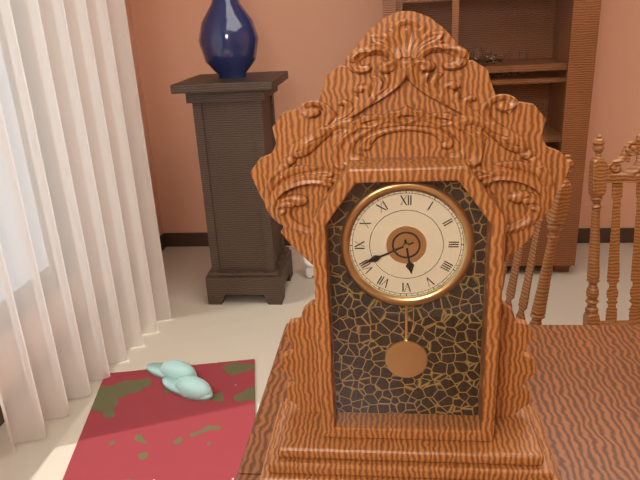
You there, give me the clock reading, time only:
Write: 5:41
